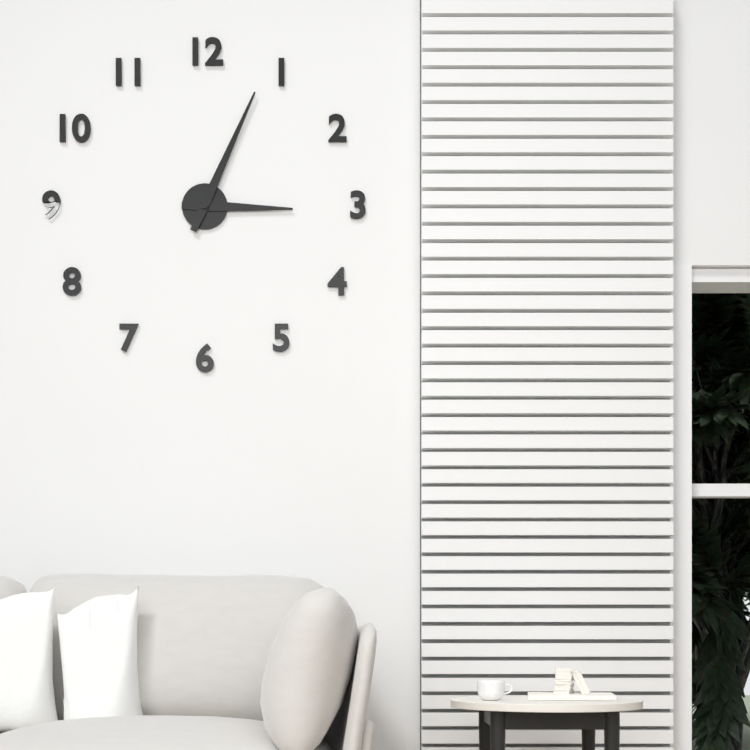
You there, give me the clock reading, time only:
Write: 3:04
